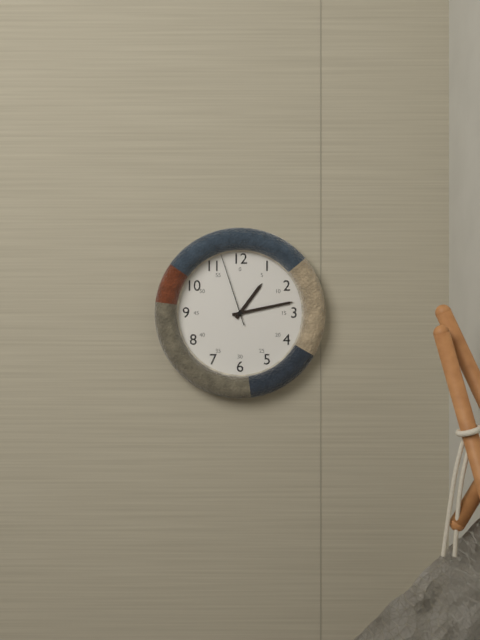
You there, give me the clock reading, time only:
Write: 1:13:57
